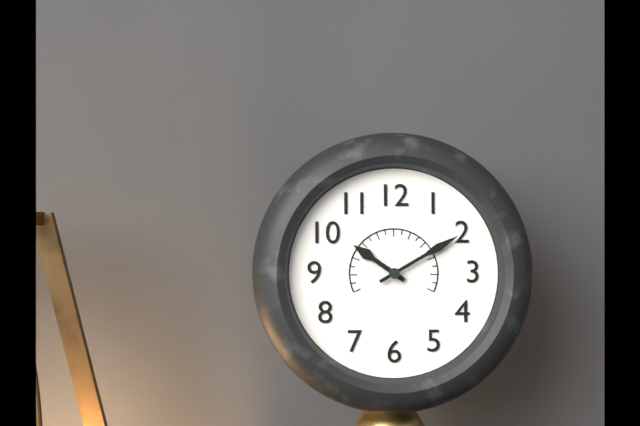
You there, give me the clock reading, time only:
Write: 10:10
